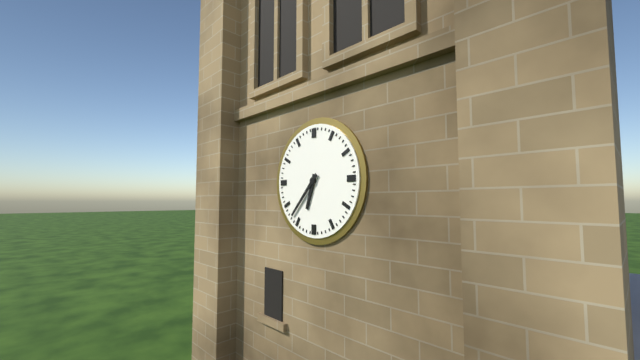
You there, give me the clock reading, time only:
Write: 6:37
